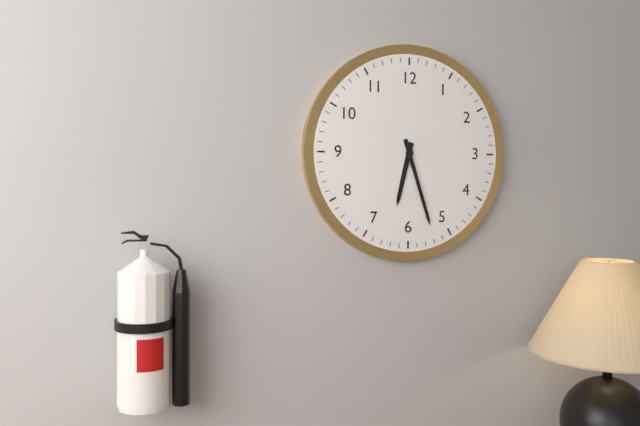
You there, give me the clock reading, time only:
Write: 6:27
